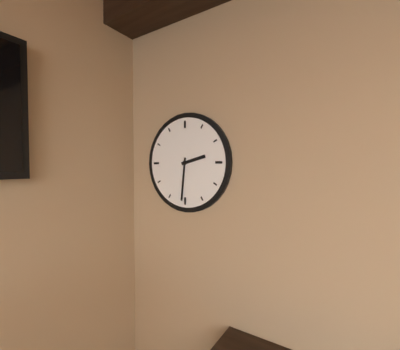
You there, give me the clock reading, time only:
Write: 2:31
